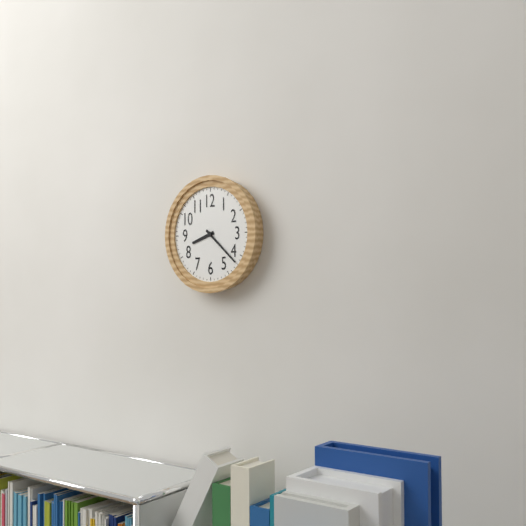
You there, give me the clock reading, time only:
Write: 8:22
